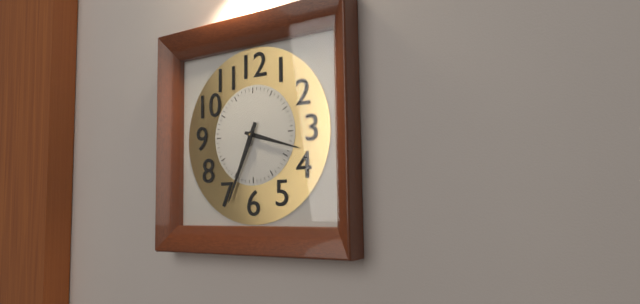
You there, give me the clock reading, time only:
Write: 3:34
